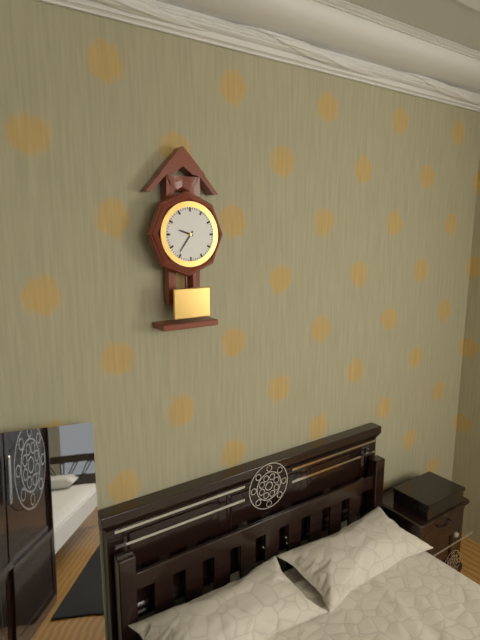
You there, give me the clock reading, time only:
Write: 9:36
